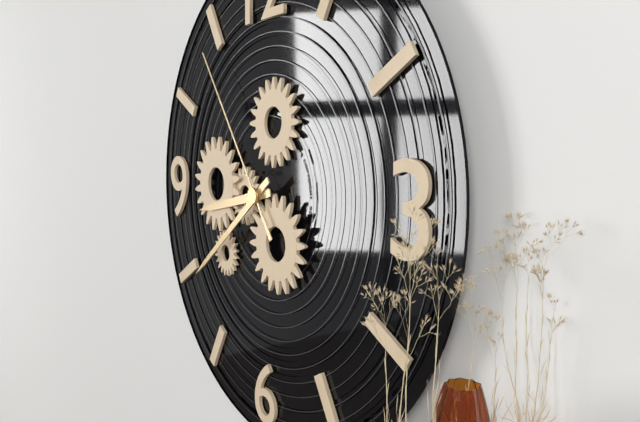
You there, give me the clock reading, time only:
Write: 8:39:54
